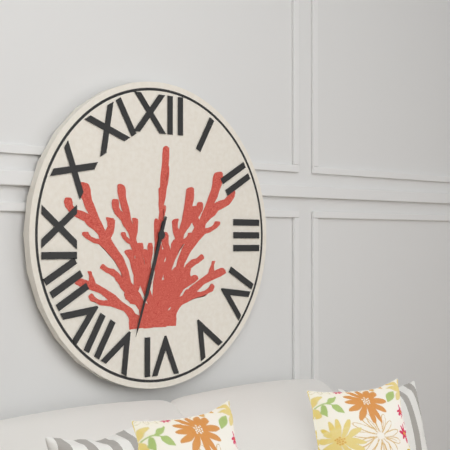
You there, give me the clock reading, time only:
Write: 6:33
